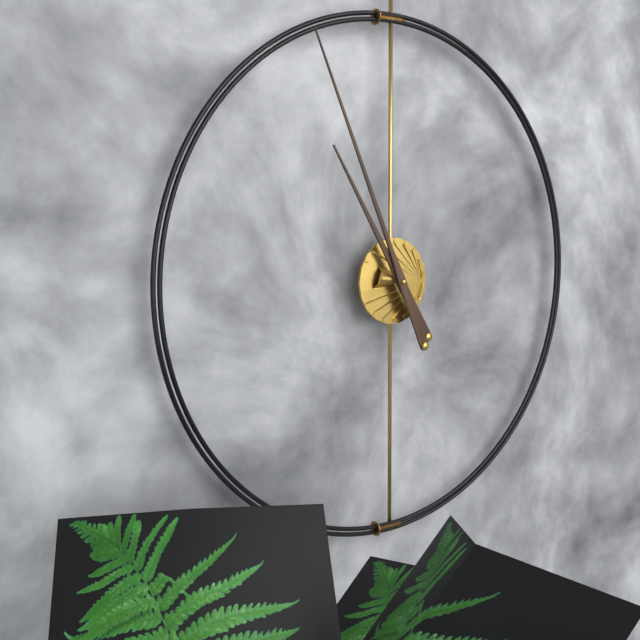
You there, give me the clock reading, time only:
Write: 10:56
